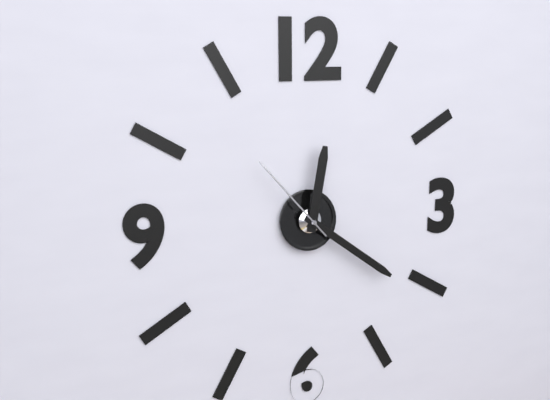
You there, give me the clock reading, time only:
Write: 12:21:53
